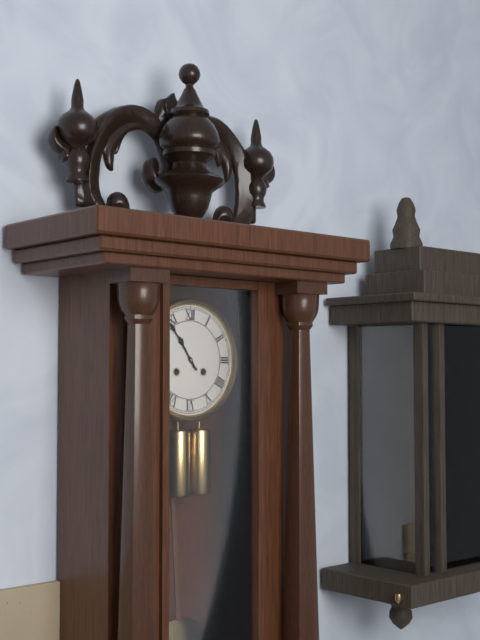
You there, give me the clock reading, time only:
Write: 10:54
